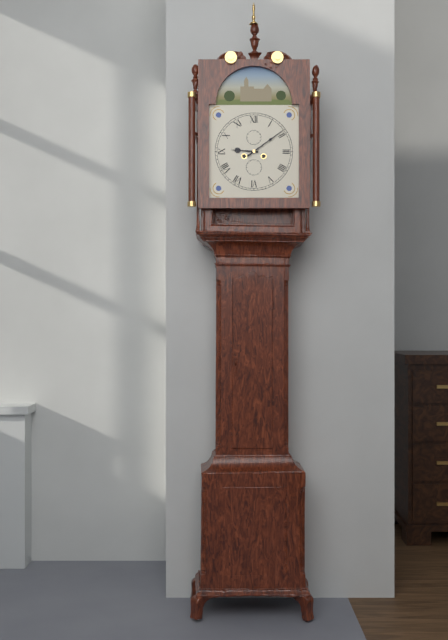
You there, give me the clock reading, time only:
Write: 9:09
